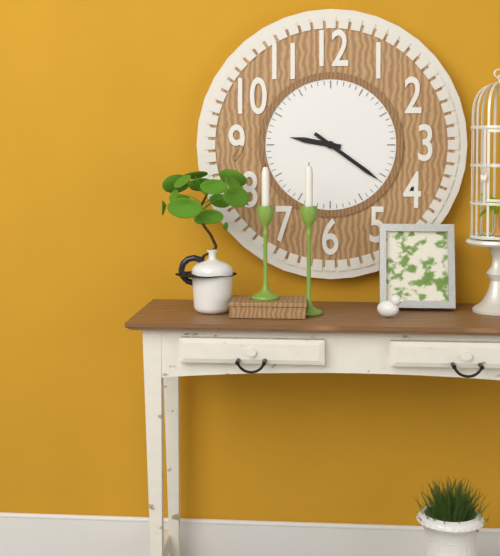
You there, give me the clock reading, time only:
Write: 9:21
